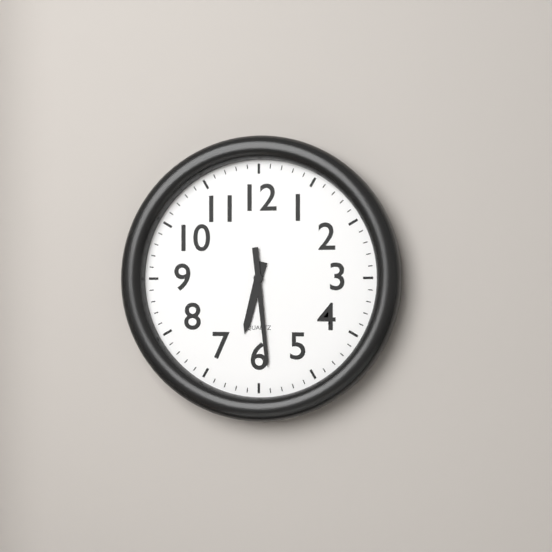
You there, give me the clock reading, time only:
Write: 6:29
